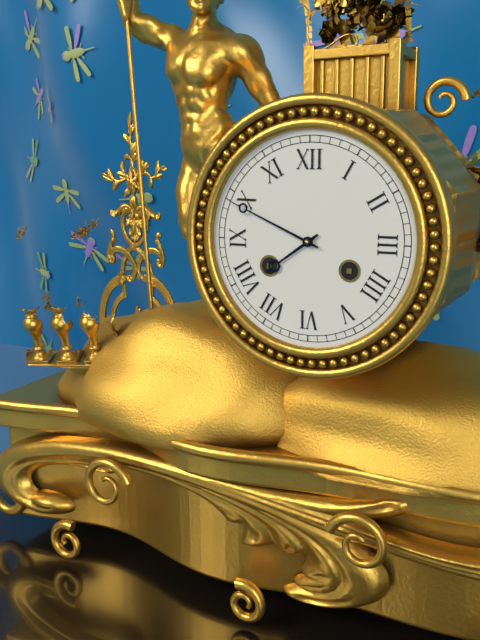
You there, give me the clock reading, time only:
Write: 7:49
